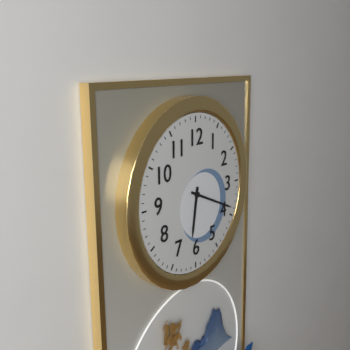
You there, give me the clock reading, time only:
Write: 6:19
